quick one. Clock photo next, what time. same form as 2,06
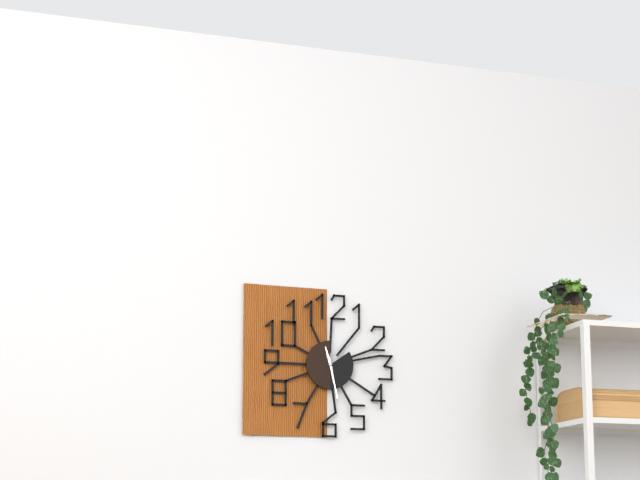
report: 11,28
